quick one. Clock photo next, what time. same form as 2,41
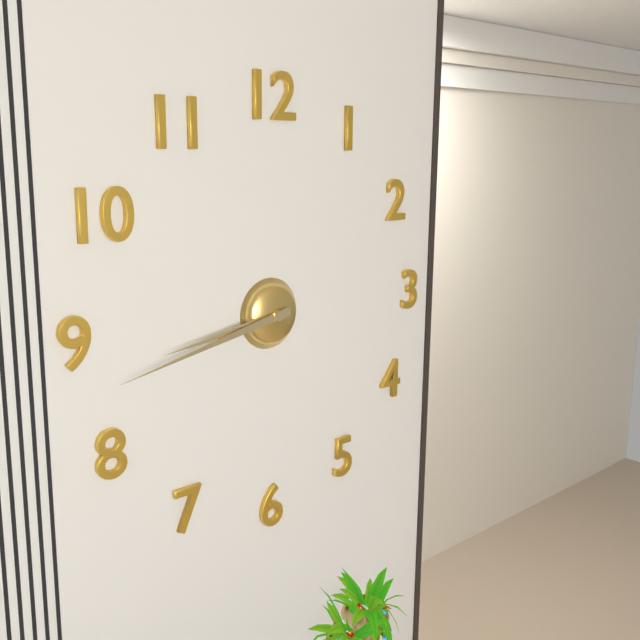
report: 8,43
